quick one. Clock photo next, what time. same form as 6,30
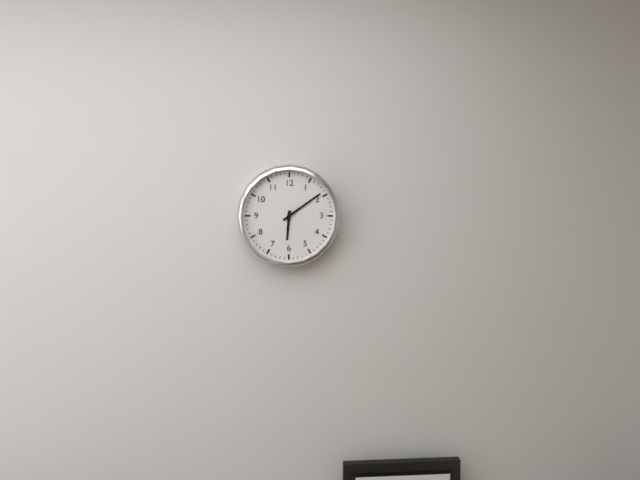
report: 6,09
